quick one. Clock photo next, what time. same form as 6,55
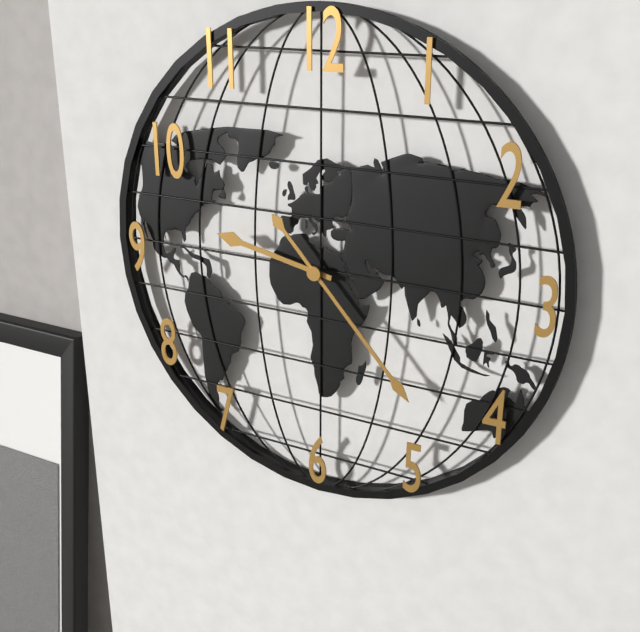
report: 9,23
